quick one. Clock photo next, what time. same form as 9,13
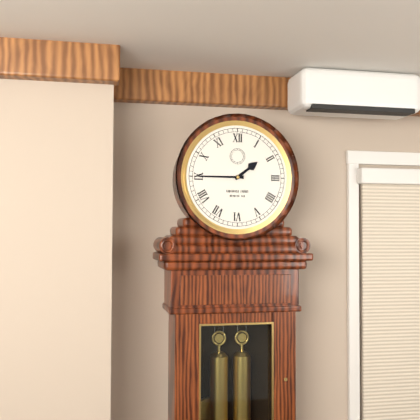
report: 1,45
